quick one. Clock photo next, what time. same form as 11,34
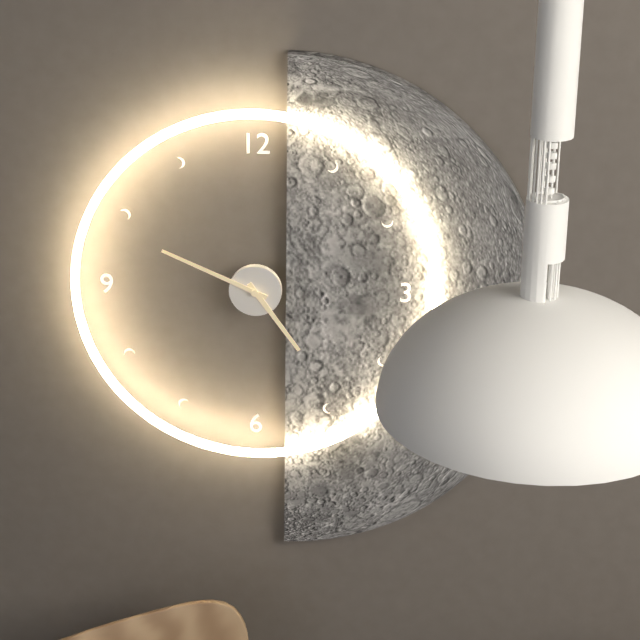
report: 4,49
